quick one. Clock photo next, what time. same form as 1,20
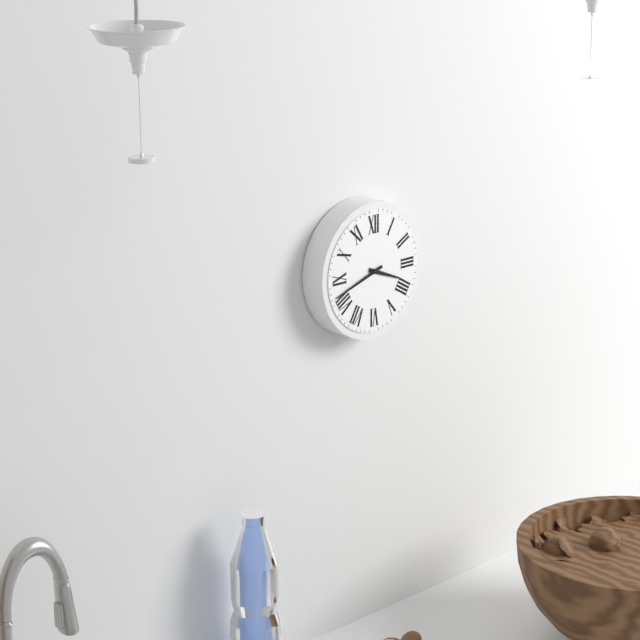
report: 3,42
